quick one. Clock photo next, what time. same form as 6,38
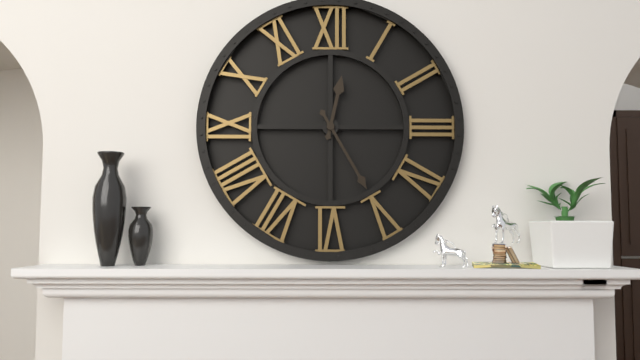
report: 12,25
